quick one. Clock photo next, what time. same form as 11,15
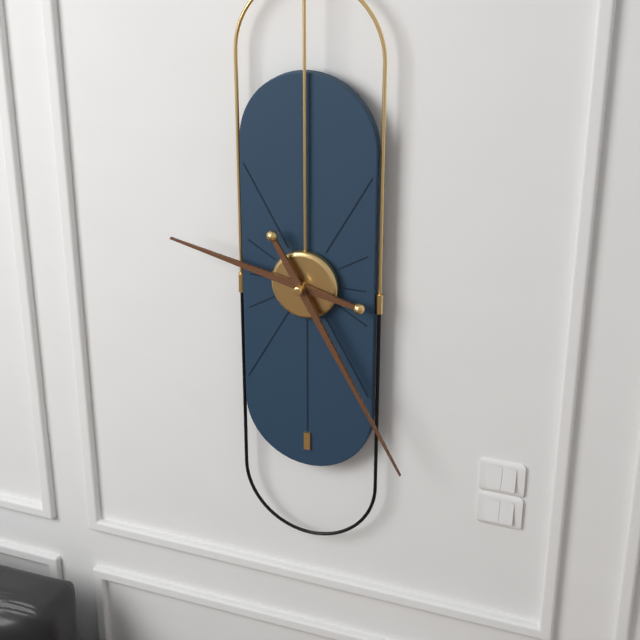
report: 9,25
